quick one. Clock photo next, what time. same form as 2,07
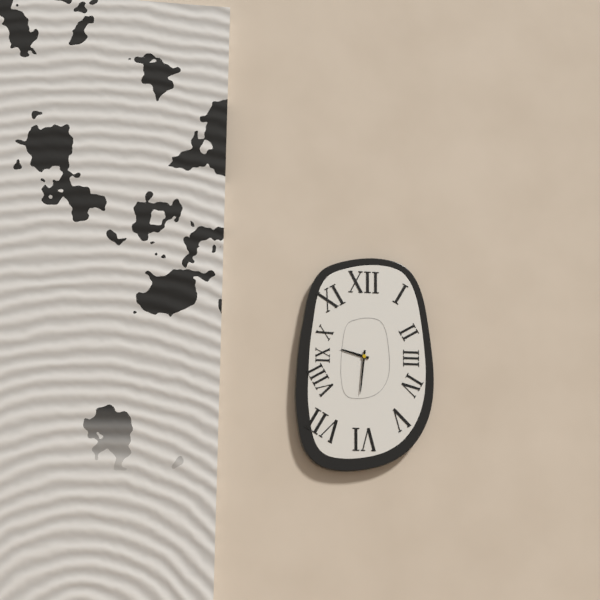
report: 9,31
